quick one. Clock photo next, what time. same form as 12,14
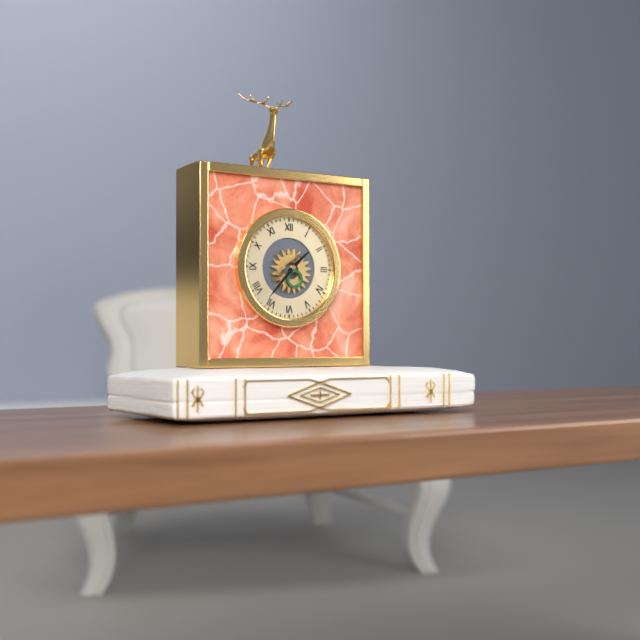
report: 1,37
